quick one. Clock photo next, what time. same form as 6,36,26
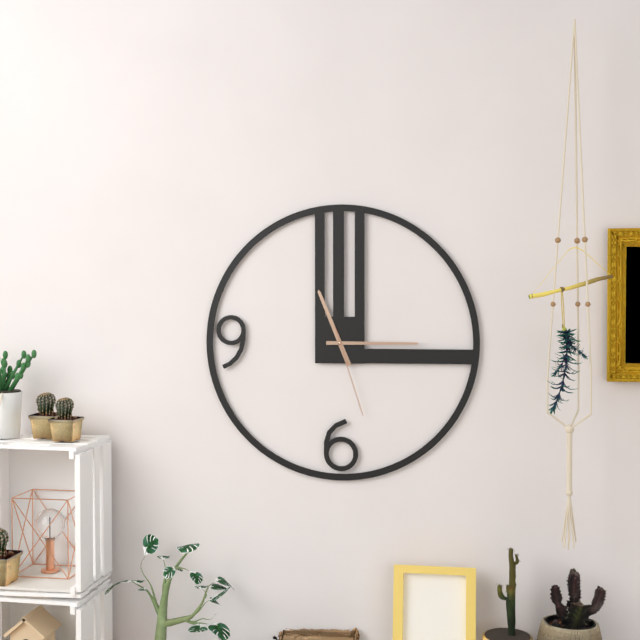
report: 11,15,27
